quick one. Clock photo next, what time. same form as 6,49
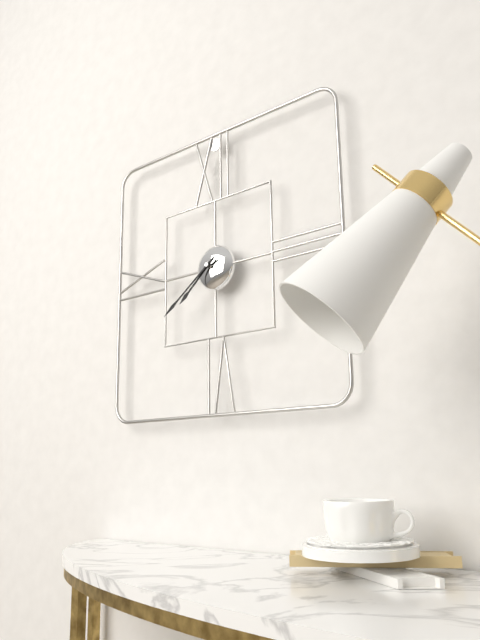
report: 7,39
